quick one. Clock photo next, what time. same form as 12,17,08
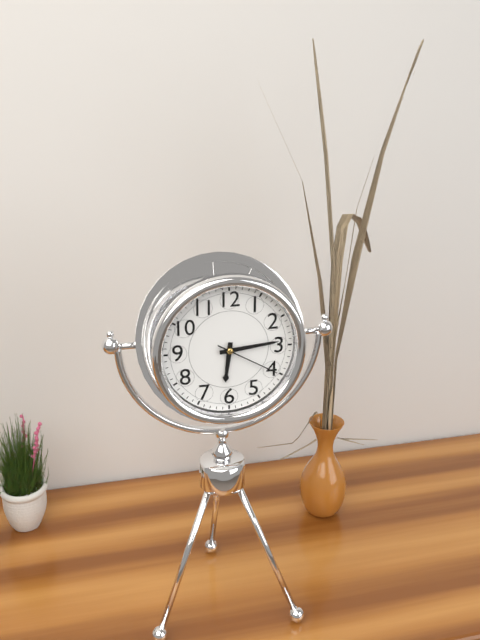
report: 6,14,20
